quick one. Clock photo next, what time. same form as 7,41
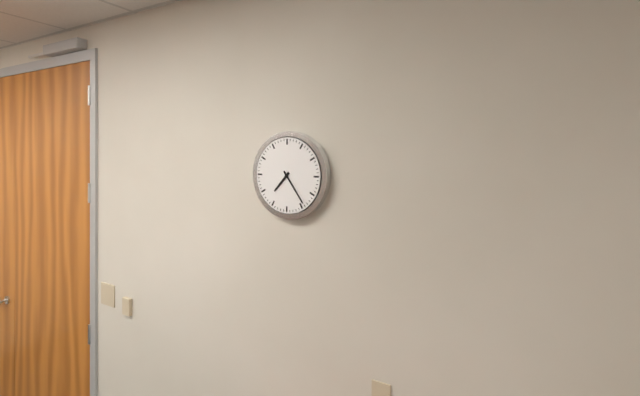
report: 7,24
